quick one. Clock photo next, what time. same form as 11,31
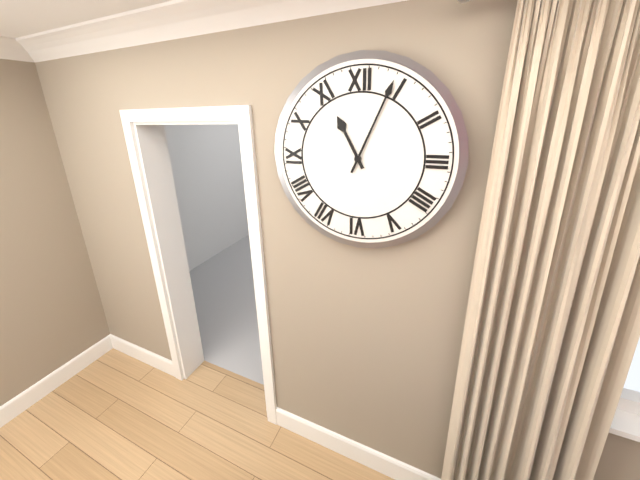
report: 11,04
